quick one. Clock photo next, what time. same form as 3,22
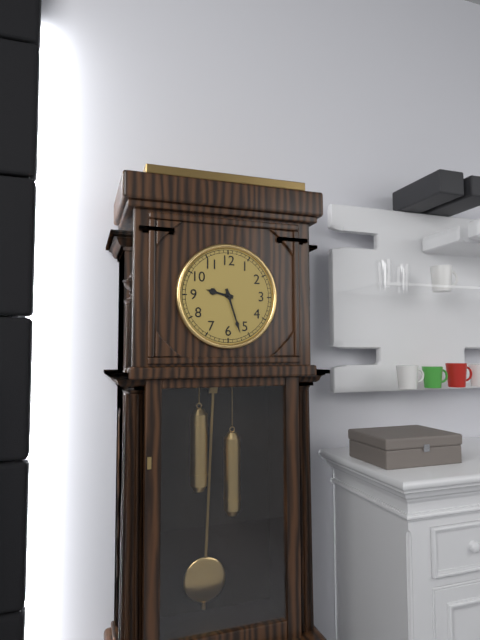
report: 9,27
